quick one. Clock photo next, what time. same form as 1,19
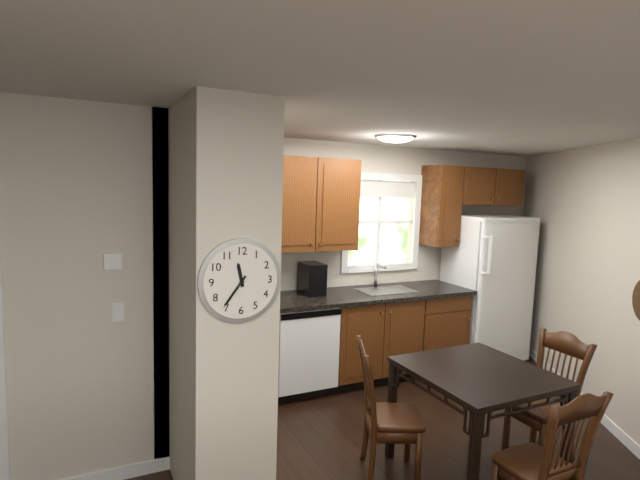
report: 11,36
